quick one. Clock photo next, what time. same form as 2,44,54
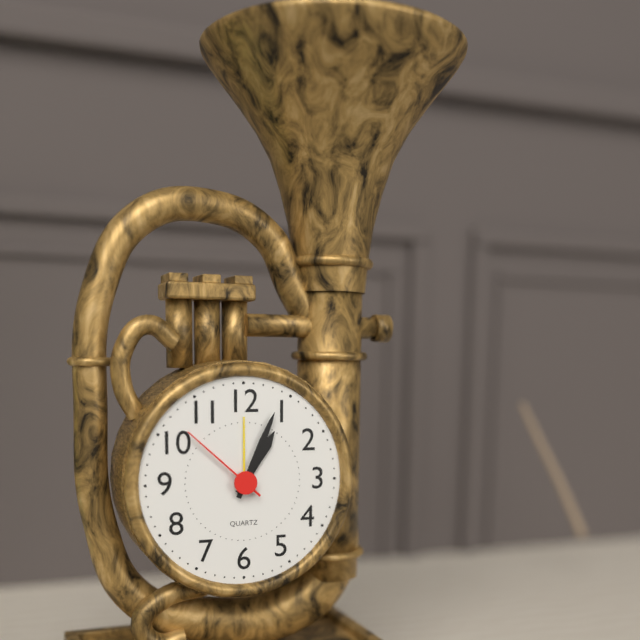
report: 1,04,52
